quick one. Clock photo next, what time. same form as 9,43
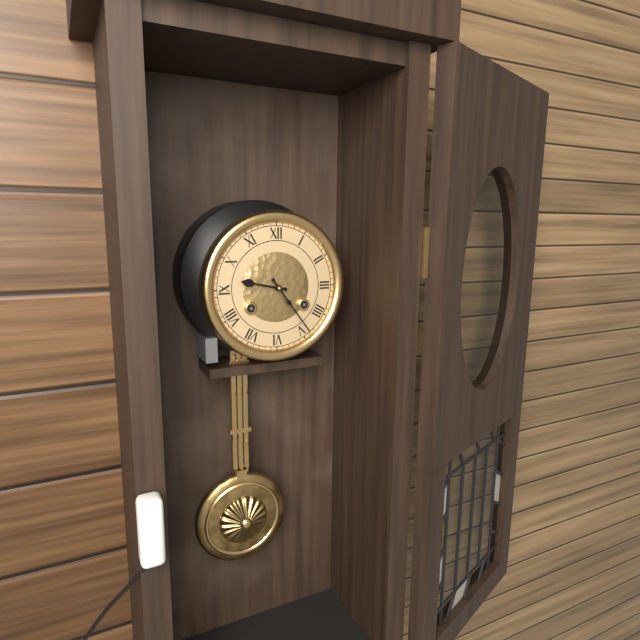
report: 9,24
